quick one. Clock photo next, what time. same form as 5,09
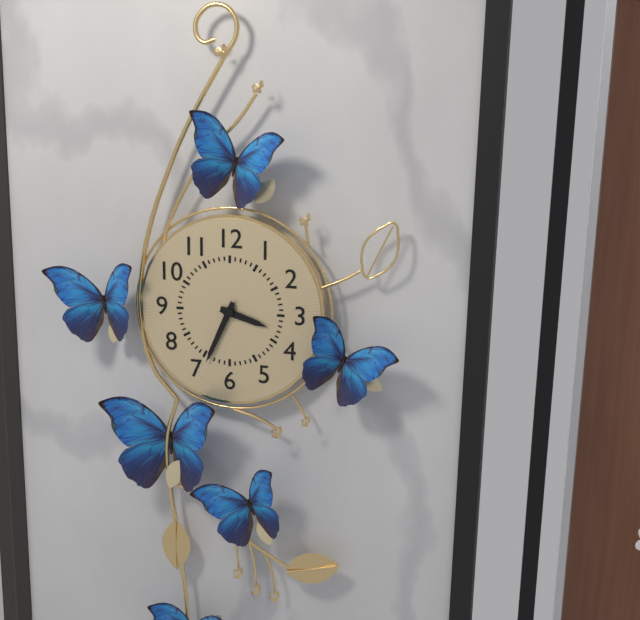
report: 3,34
